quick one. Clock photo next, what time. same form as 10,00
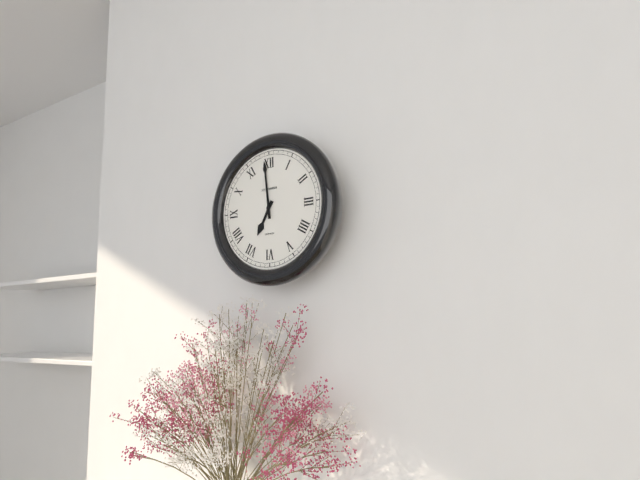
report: 6,59
